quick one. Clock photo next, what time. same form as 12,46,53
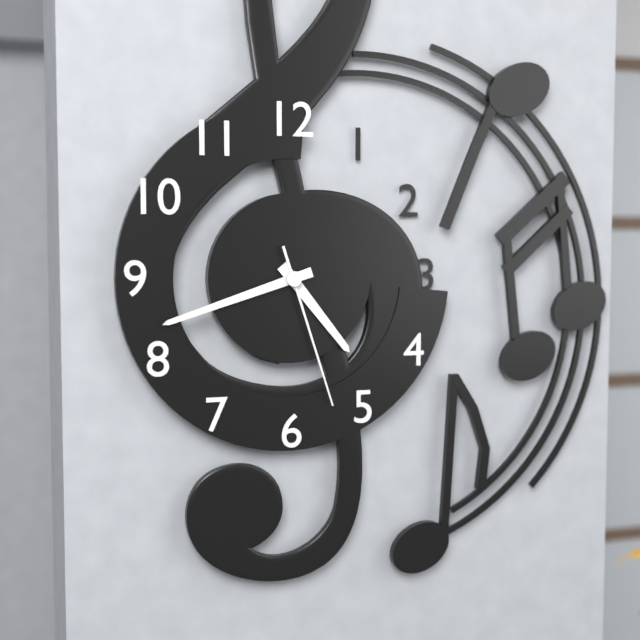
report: 4,42,27
